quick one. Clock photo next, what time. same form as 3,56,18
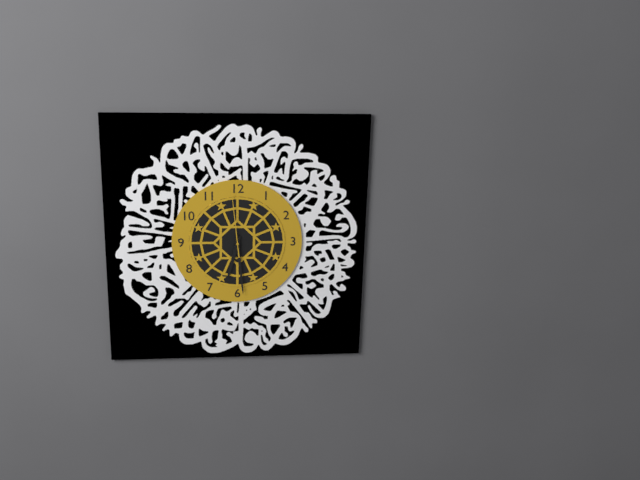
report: 6,29,59
